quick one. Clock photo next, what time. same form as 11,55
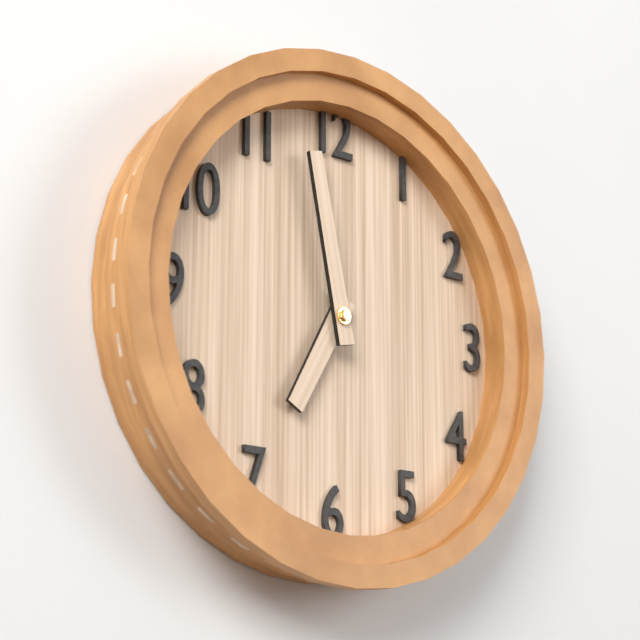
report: 6,58
